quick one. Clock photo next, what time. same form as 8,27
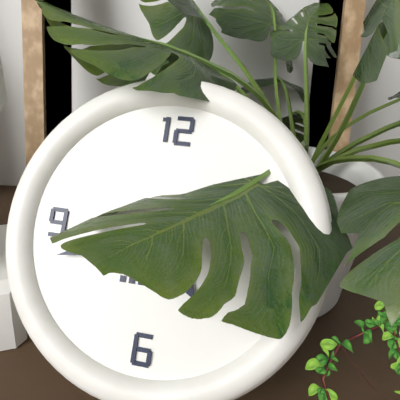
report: 4,42
